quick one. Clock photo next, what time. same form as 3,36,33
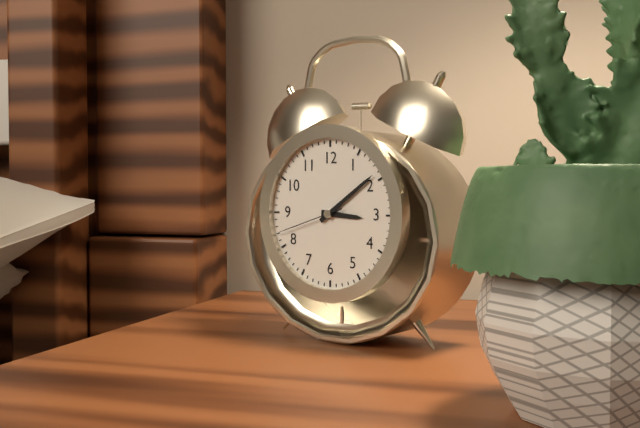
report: 3,09,42
